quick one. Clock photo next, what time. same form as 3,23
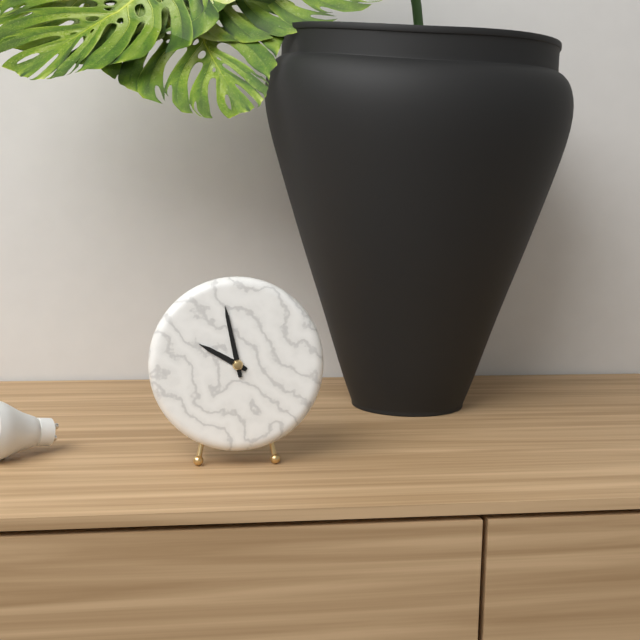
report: 9,58
